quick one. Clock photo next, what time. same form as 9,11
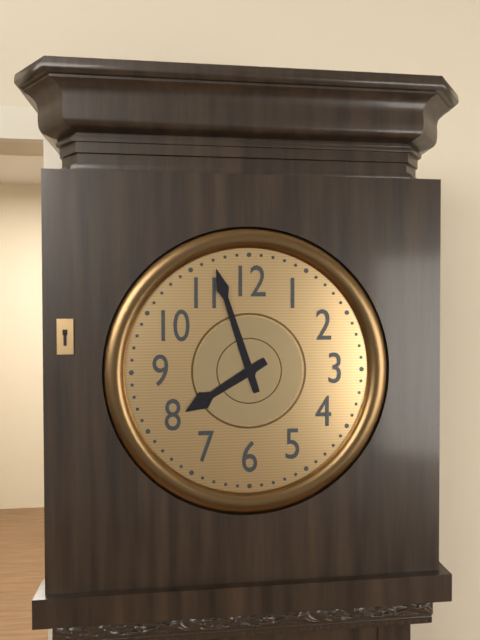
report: 7,57
